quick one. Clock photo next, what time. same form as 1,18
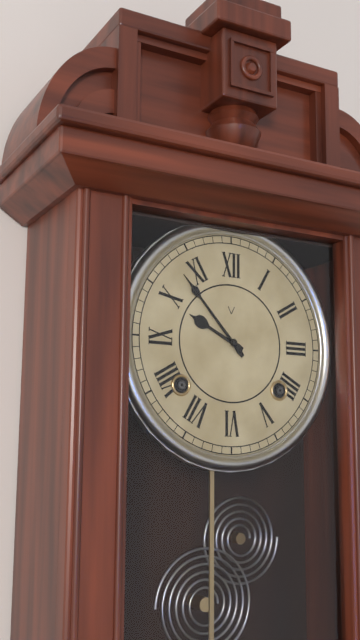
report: 9,53
